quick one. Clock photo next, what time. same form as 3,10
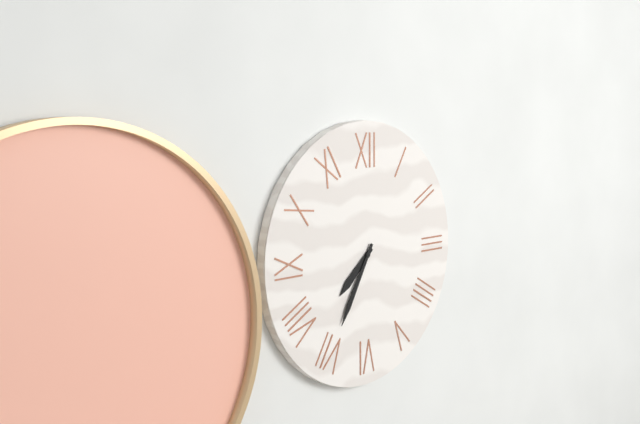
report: 7,35
